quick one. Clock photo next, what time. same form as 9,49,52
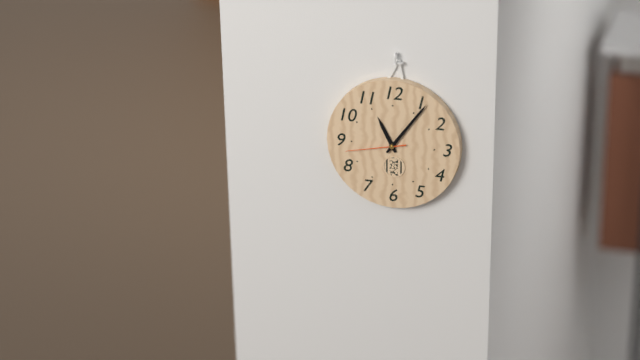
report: 11,06,43
